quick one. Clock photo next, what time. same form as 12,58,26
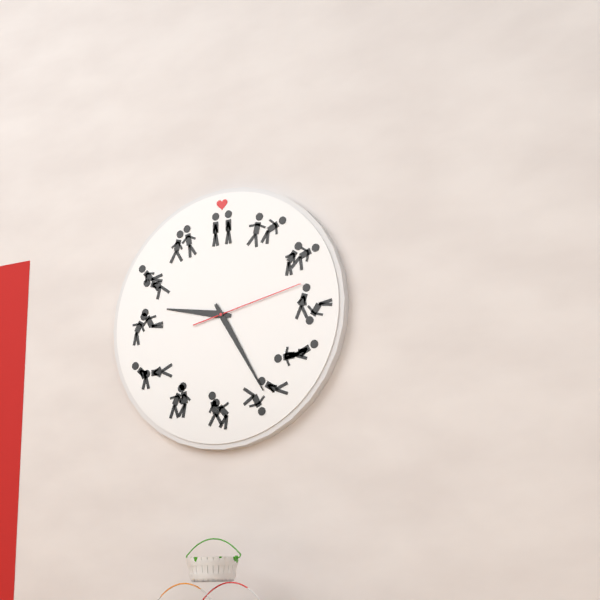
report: 9,25,13
